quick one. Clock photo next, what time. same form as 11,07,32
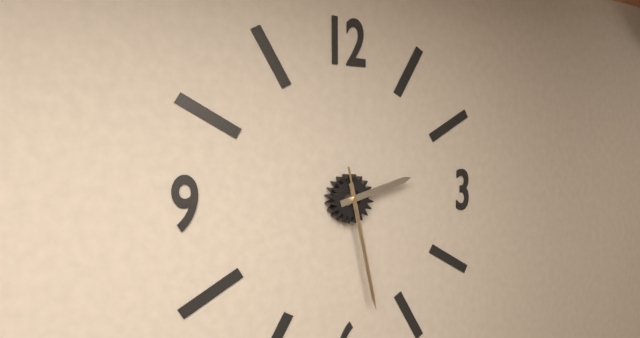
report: 2,28,28
